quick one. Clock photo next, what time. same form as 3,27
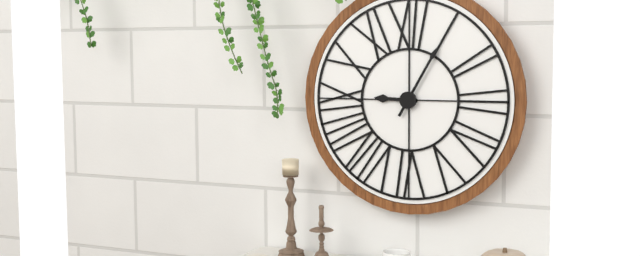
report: 9,05
